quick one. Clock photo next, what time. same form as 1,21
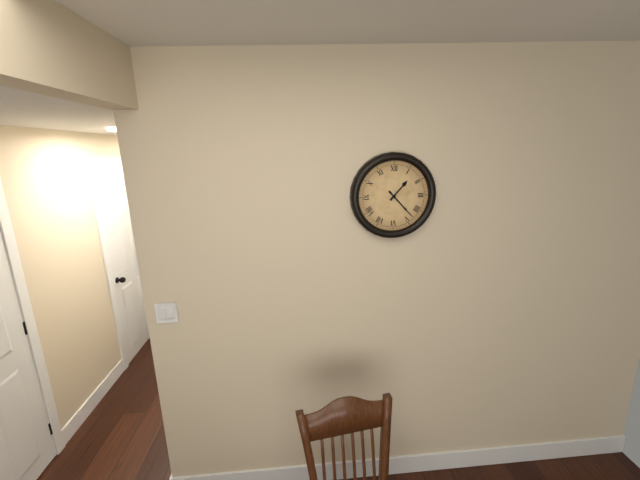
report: 1,23
